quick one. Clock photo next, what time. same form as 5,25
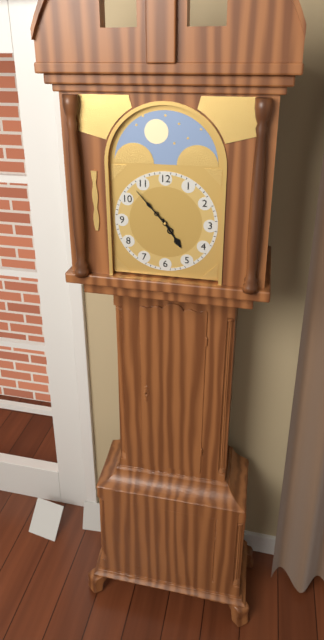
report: 4,53
